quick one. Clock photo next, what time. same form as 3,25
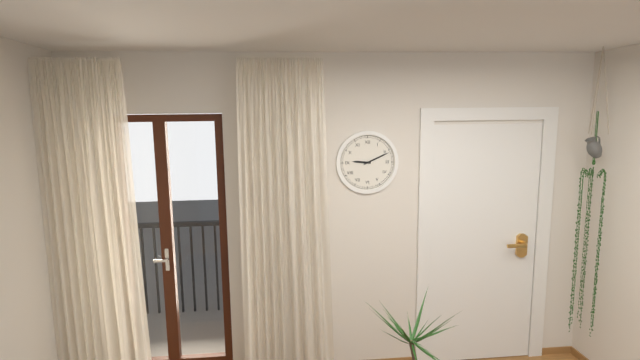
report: 9,11
